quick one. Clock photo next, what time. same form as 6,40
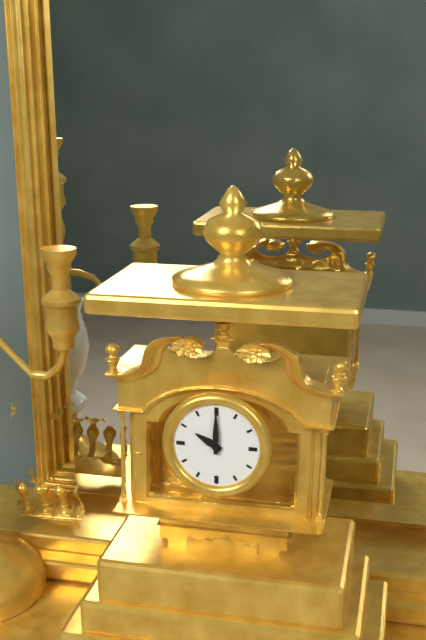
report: 10,00
